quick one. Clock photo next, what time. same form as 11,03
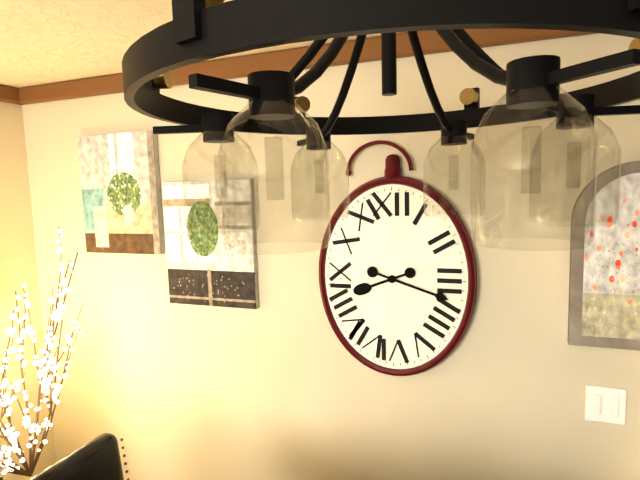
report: 8,18
